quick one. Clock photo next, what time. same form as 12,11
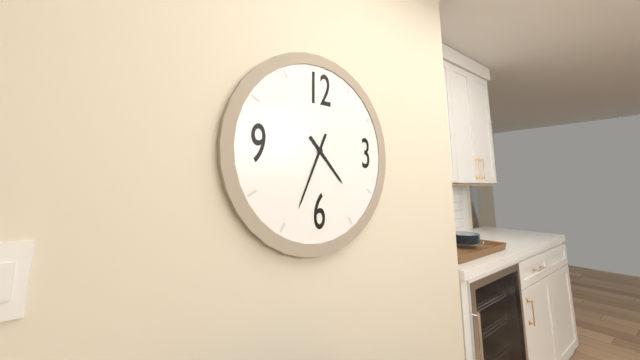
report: 4,34
